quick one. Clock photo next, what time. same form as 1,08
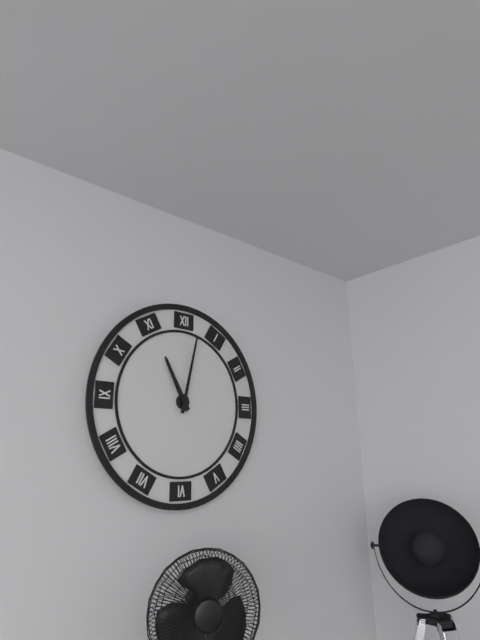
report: 11,02
